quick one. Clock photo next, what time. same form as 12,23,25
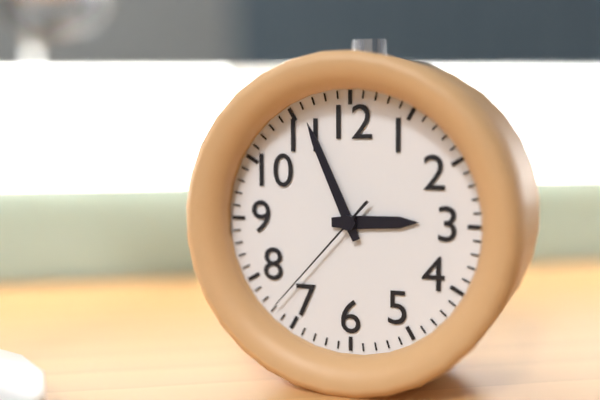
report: 2,56,37
